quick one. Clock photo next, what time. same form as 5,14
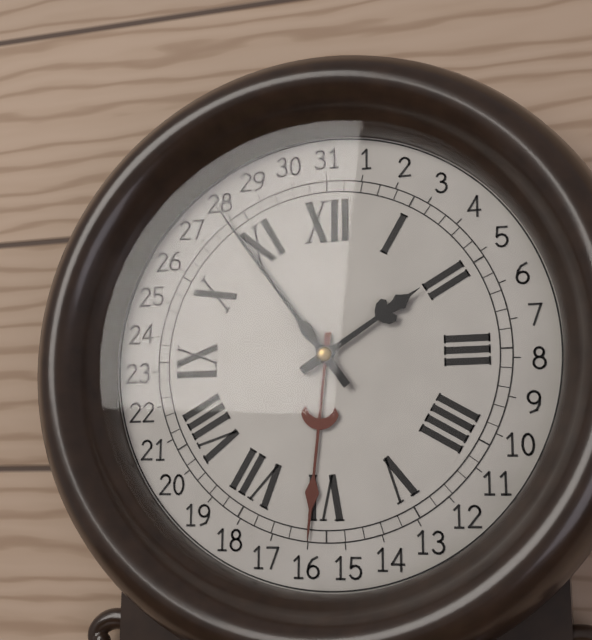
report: 1,54
